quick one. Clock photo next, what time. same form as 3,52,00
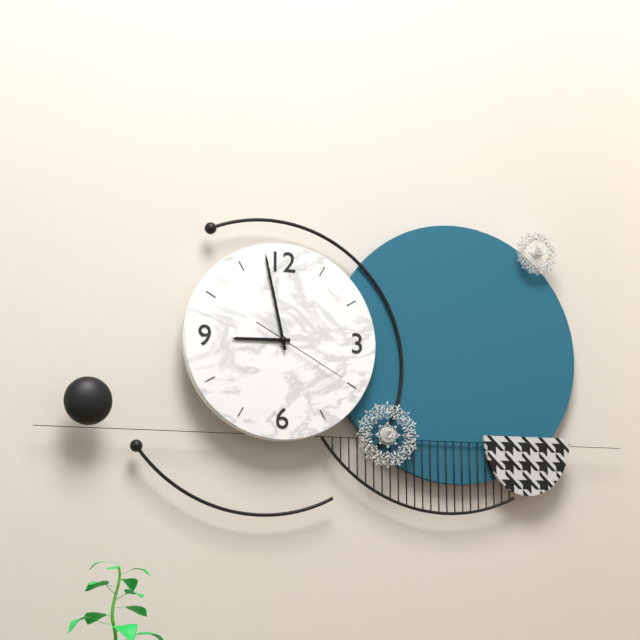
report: 8,58,20
